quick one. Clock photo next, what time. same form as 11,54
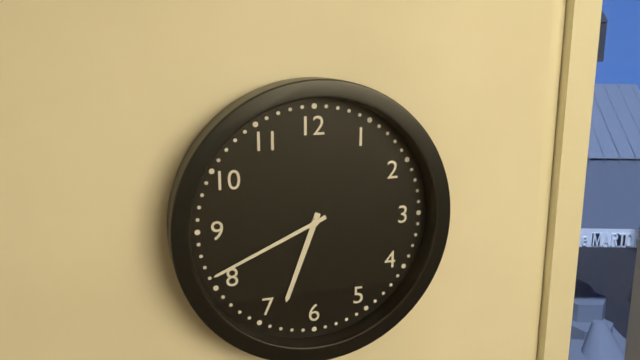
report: 6,41
